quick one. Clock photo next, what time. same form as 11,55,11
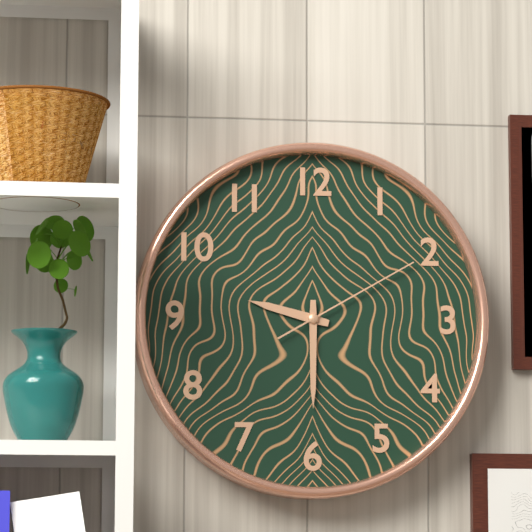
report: 9,30,10
